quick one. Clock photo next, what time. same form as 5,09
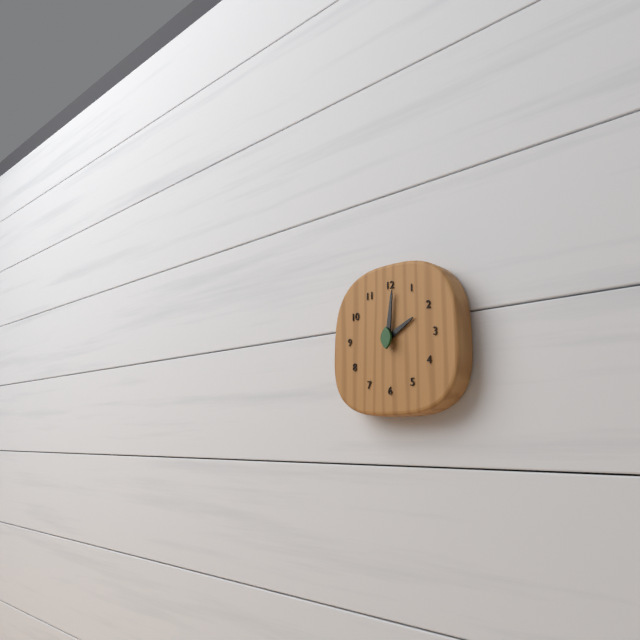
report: 2,01
